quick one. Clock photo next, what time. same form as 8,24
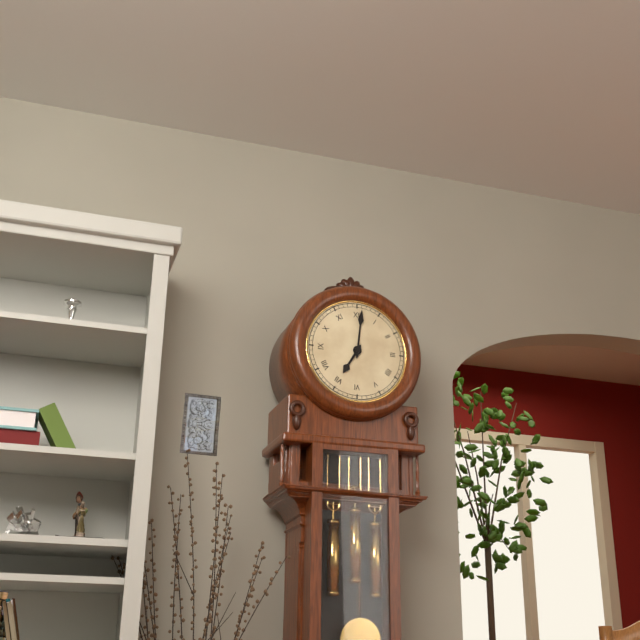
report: 7,01
